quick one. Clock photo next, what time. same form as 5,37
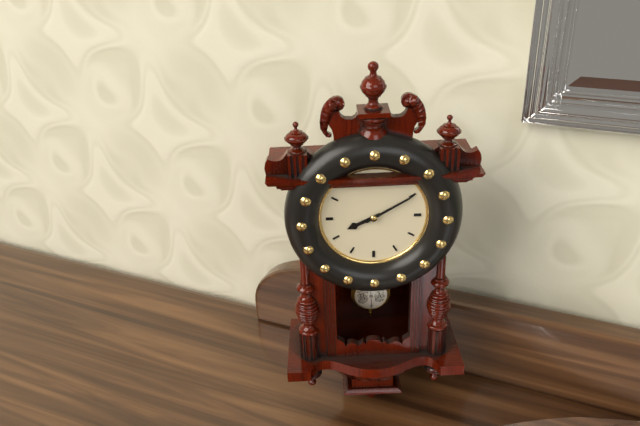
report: 8,10
